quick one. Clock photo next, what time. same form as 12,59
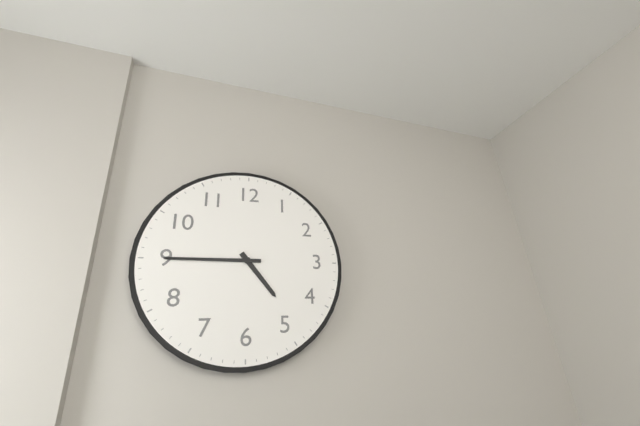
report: 4,45
